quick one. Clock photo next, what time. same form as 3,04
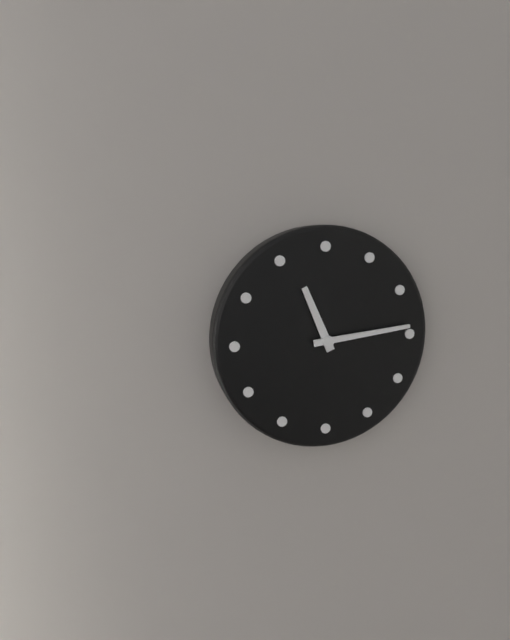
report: 11,14
